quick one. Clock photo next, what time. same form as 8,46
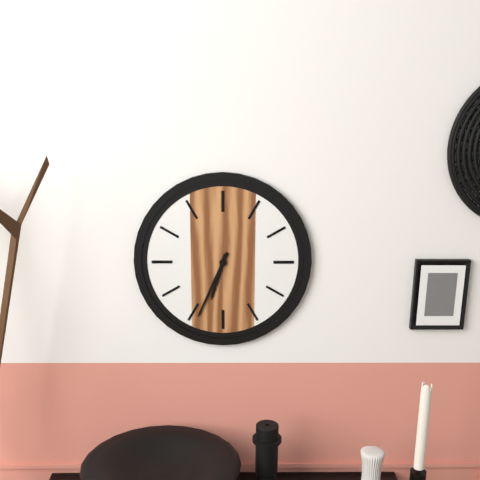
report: 6,34
